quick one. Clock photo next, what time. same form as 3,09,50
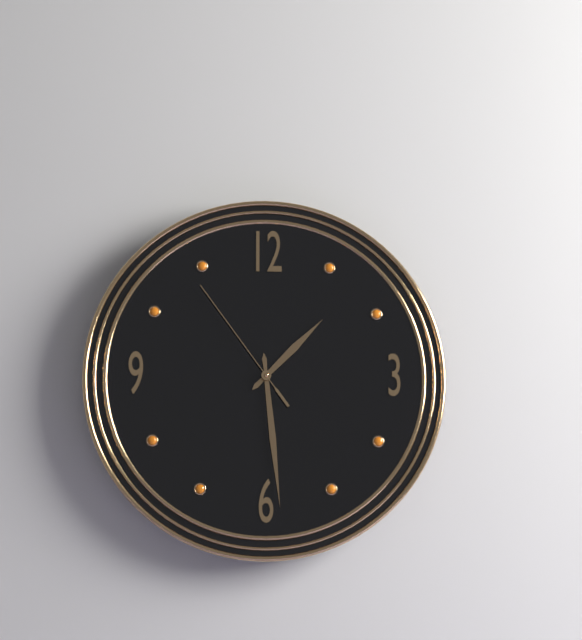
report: 1,29,54
